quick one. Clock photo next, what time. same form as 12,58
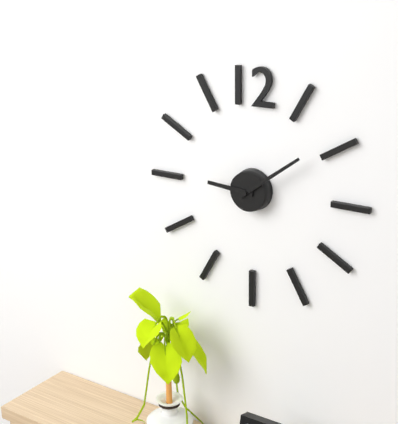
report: 9,09
